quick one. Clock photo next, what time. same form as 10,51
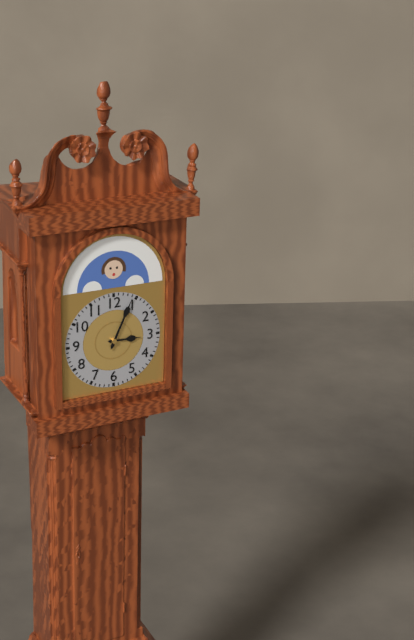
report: 3,04
